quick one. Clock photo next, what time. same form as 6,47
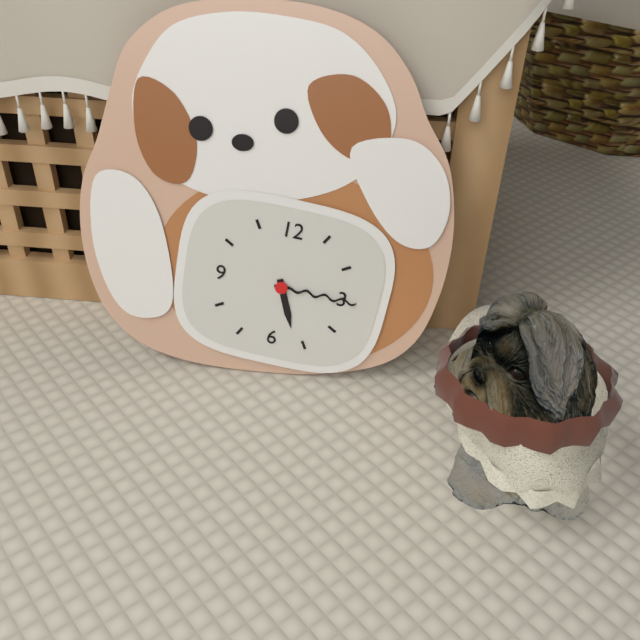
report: 5,15
